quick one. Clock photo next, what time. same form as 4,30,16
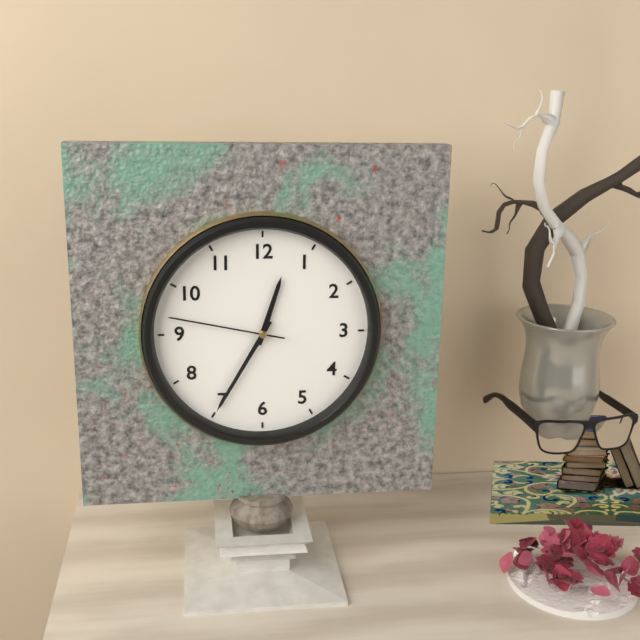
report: 12,35,47
